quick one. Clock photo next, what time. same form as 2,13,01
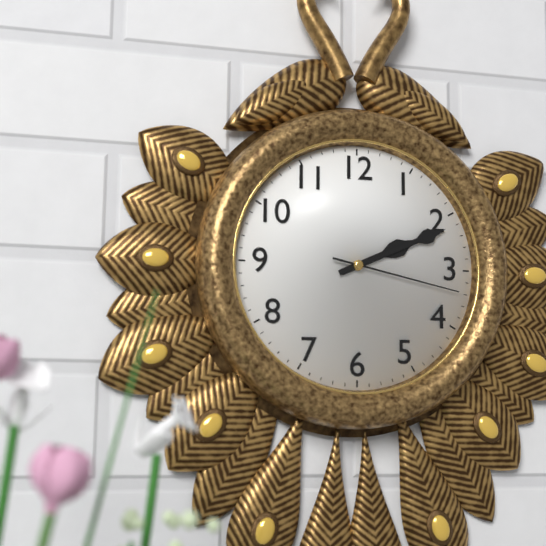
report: 2,11,17
